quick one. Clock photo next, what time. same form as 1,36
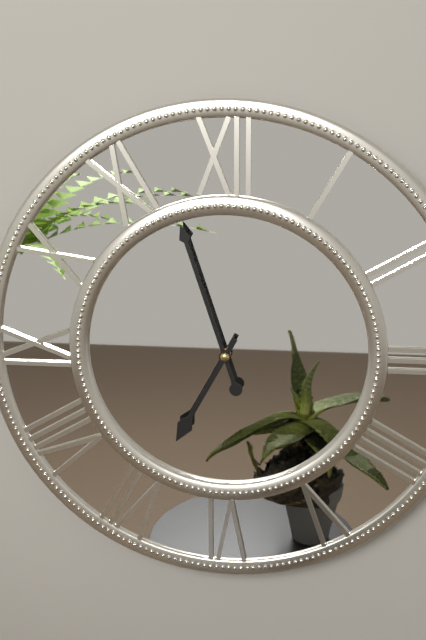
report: 6,57
